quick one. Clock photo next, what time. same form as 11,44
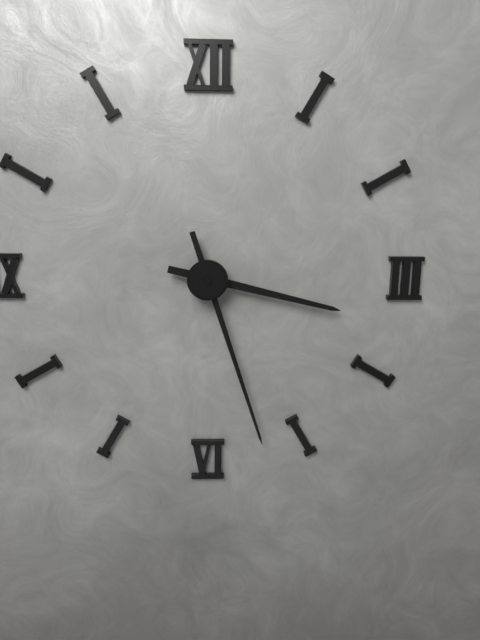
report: 3,27
